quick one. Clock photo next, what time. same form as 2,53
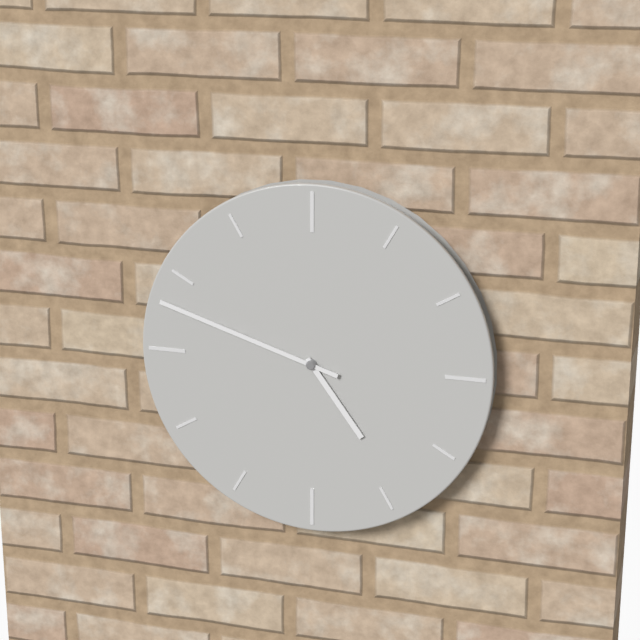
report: 4,48
